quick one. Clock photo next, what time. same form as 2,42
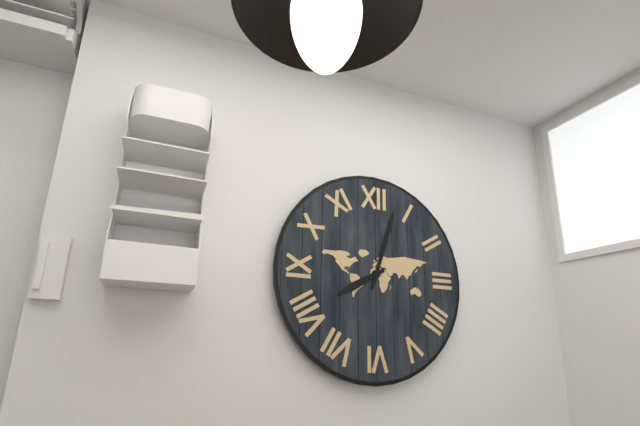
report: 8,03
